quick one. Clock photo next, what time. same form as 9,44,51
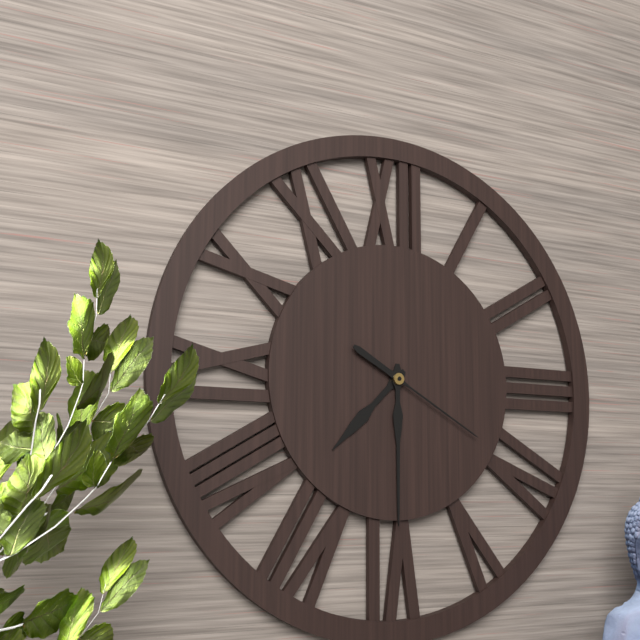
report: 7,30,20
